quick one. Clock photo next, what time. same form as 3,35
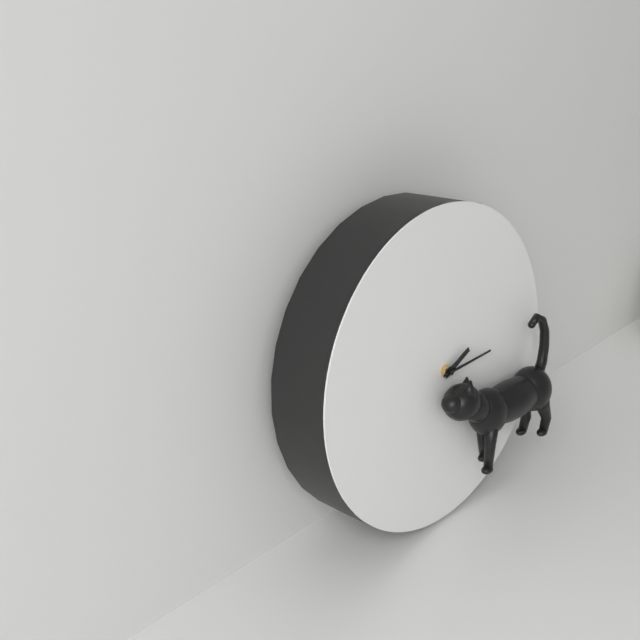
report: 2,15
